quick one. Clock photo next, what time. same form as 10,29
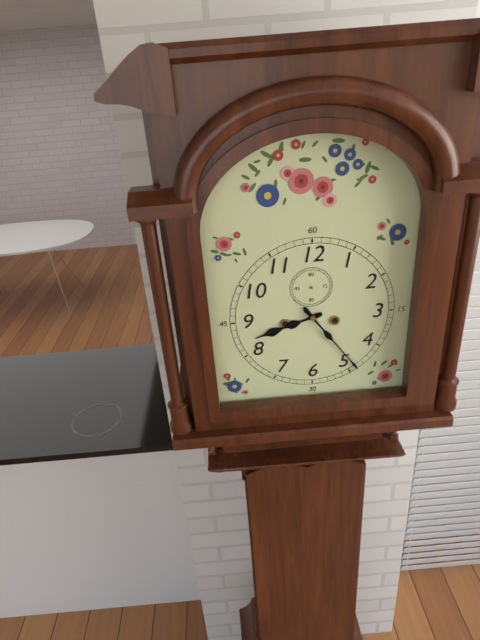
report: 8,24
